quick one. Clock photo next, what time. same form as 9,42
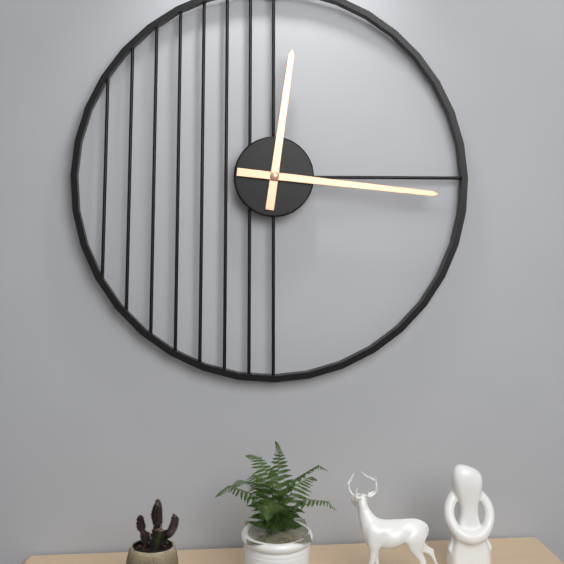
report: 12,16
